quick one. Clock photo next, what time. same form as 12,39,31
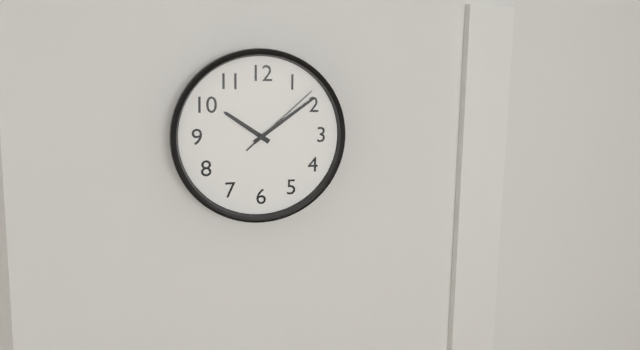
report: 10,09,08
